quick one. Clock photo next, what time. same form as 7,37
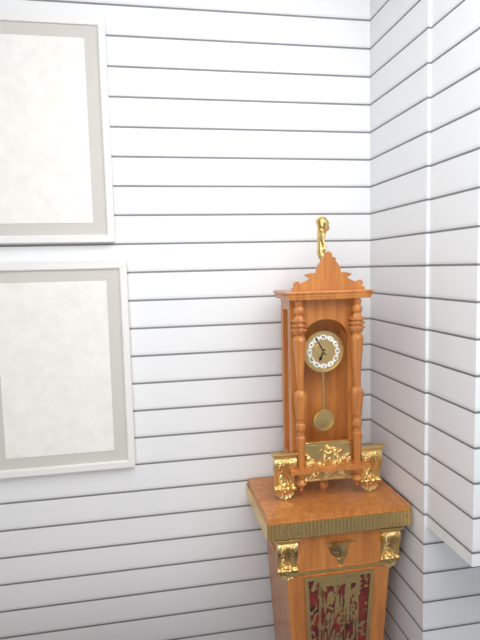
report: 6,55
